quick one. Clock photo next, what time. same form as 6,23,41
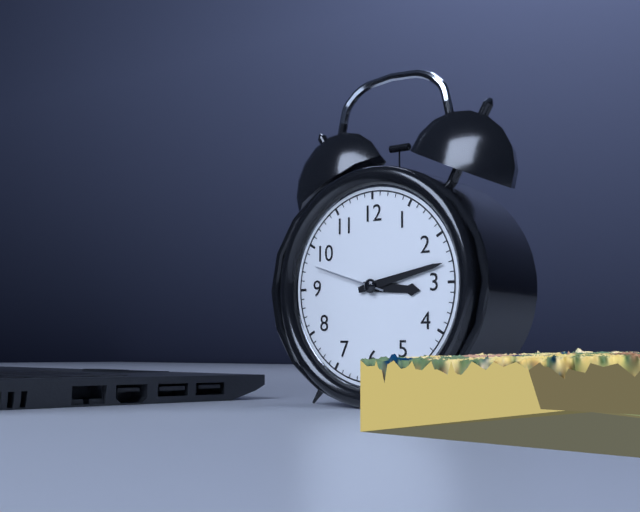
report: 3,13,48
